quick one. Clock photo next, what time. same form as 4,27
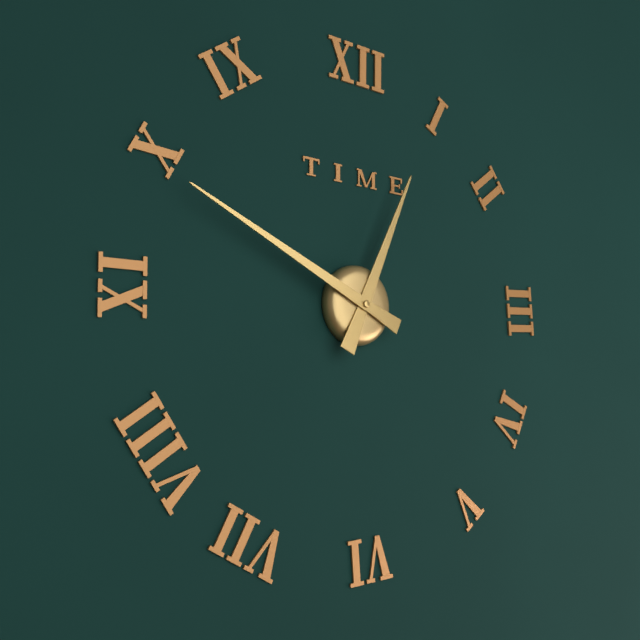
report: 12,49
